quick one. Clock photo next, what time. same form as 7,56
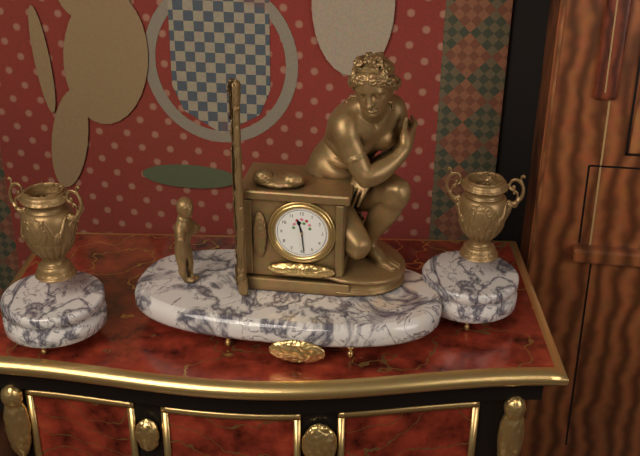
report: 11,29
